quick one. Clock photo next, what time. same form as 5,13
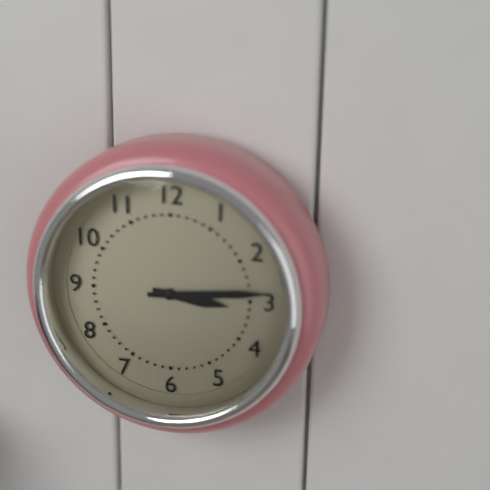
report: 3,14
